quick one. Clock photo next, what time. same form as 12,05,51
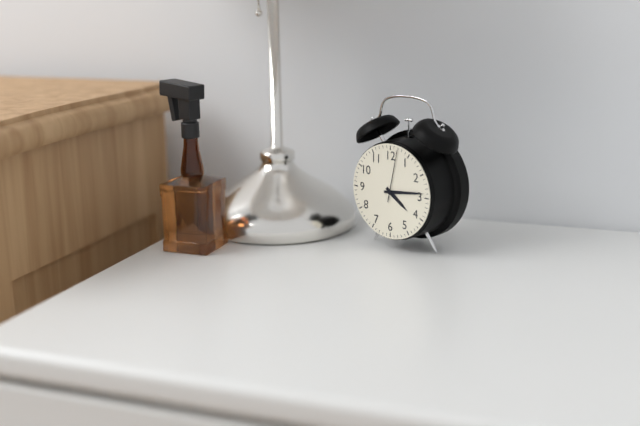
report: 4,14,02
